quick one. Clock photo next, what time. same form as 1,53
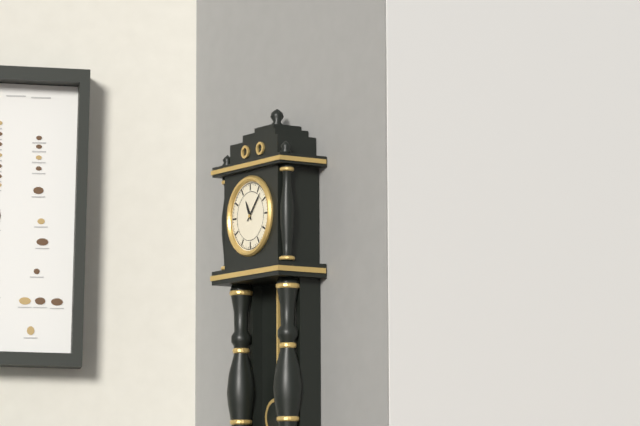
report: 11,07
